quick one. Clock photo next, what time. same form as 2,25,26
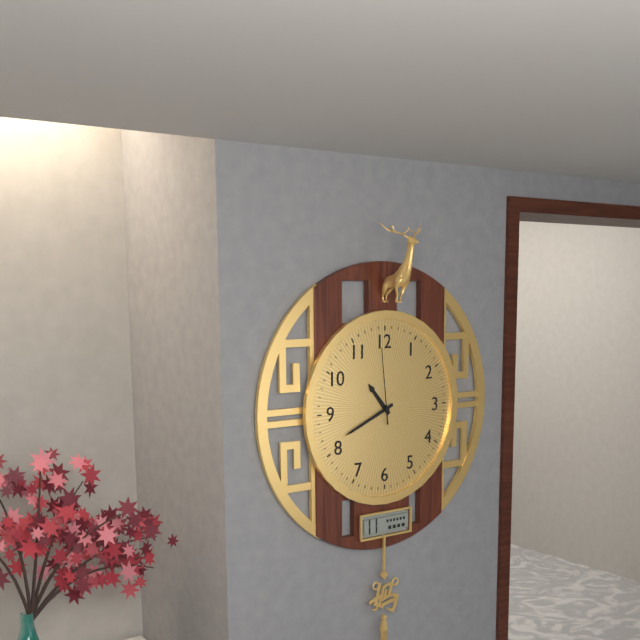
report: 10,41,59
